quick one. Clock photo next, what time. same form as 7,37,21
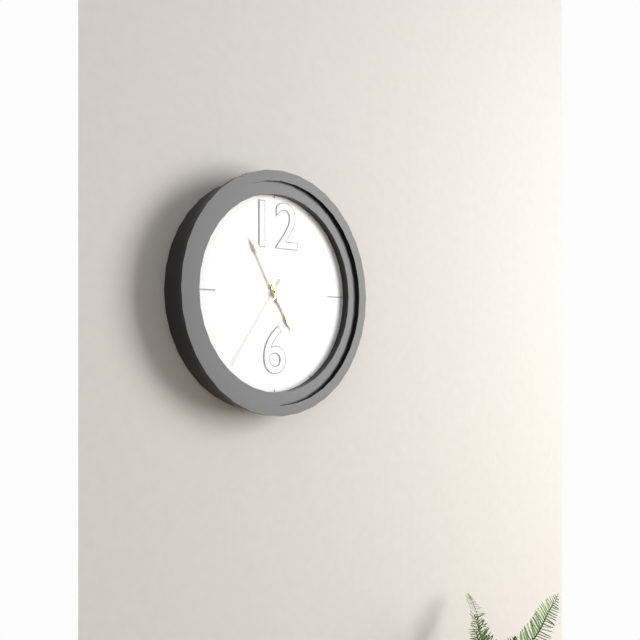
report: 4,55,36
